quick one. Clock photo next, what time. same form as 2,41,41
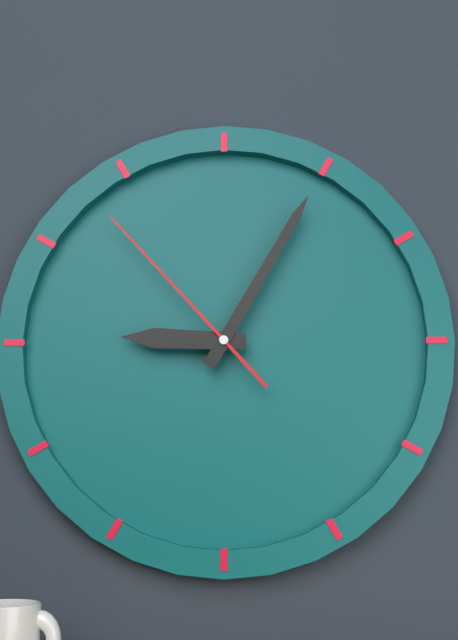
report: 9,05,53
